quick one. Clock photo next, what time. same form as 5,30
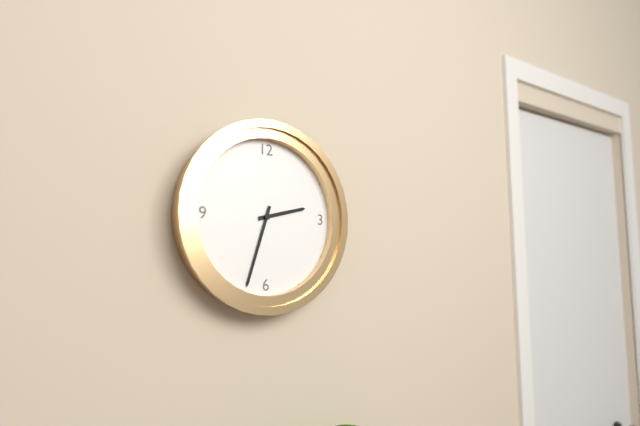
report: 2,33
